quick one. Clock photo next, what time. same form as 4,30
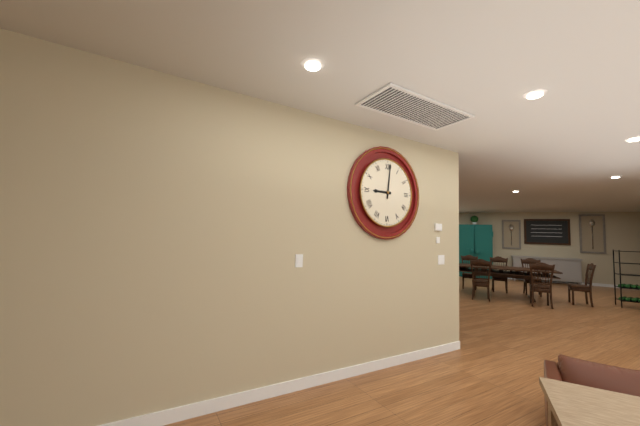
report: 9,01
